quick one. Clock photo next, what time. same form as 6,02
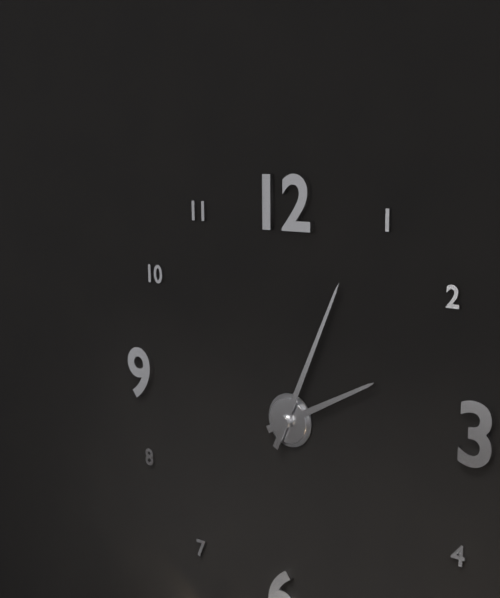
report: 2,04
